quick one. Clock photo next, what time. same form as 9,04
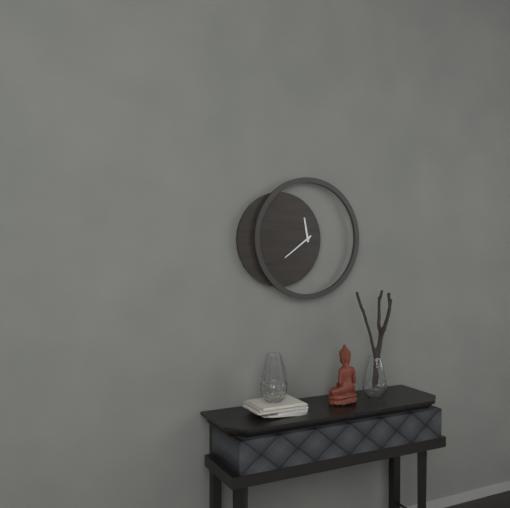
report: 11,39
